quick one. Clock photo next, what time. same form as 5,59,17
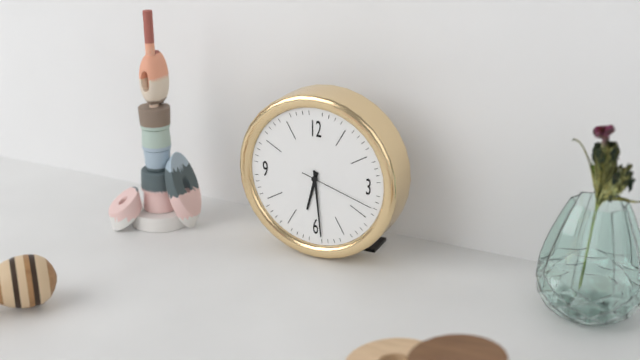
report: 6,29,18
